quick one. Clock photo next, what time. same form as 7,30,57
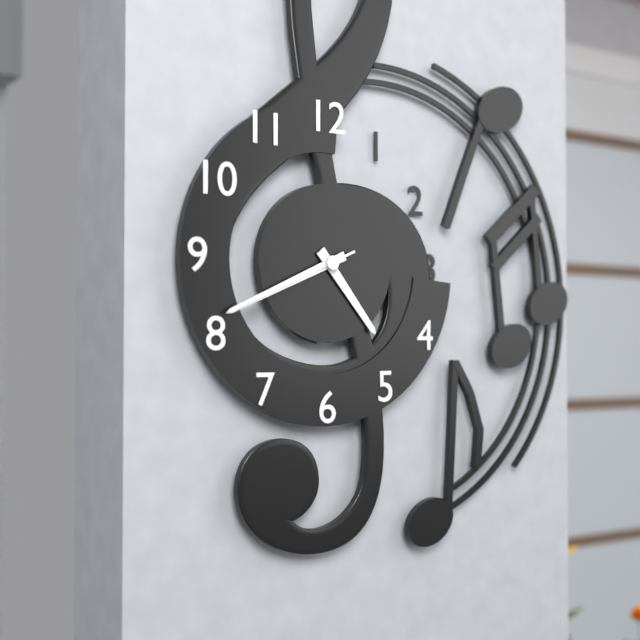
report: 4,41,41
